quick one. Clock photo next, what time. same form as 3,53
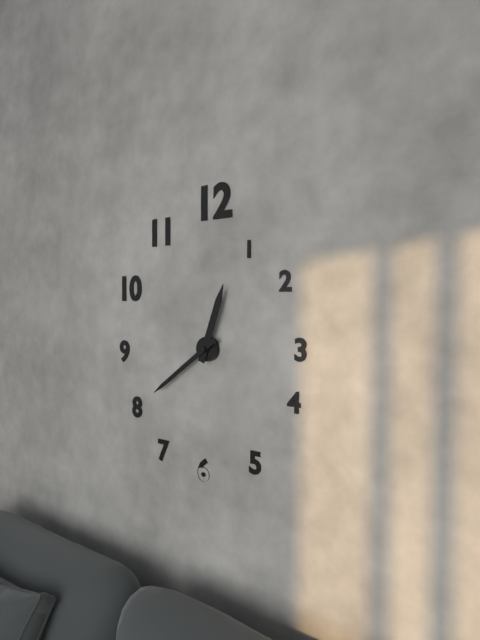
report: 12,39
